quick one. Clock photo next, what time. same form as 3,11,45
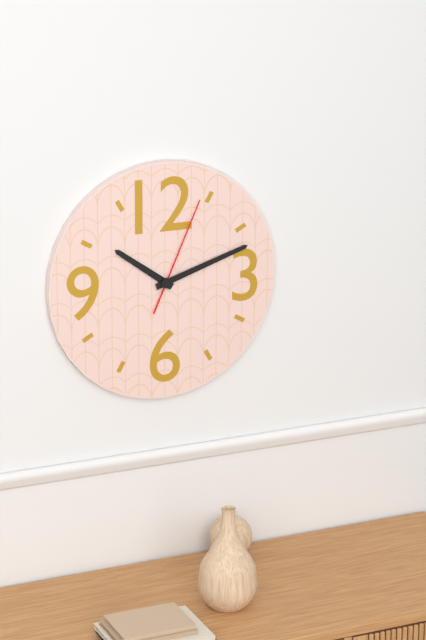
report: 10,12,04
